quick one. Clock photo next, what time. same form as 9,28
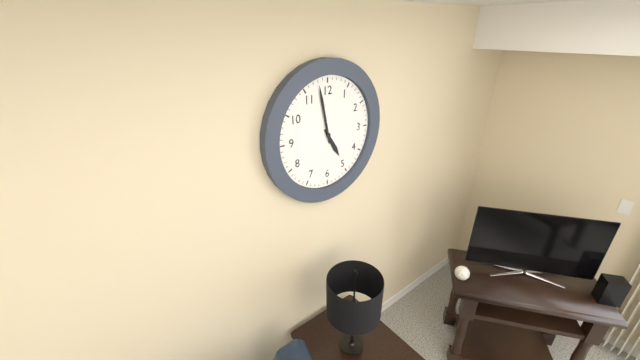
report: 4,58
